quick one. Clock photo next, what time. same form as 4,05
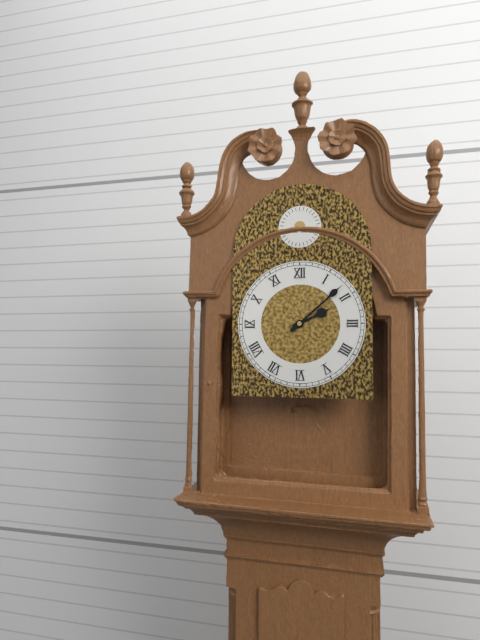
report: 2,08
